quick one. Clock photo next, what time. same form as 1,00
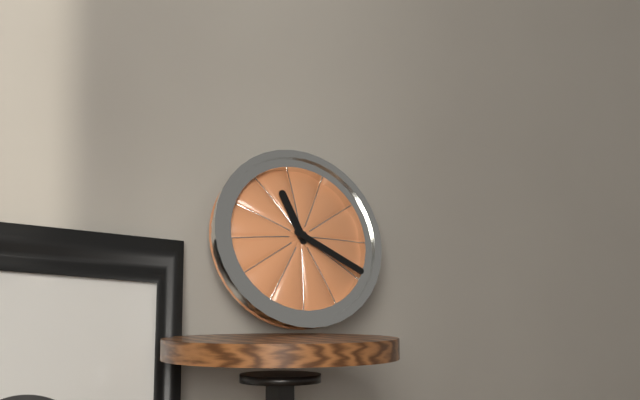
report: 11,20
